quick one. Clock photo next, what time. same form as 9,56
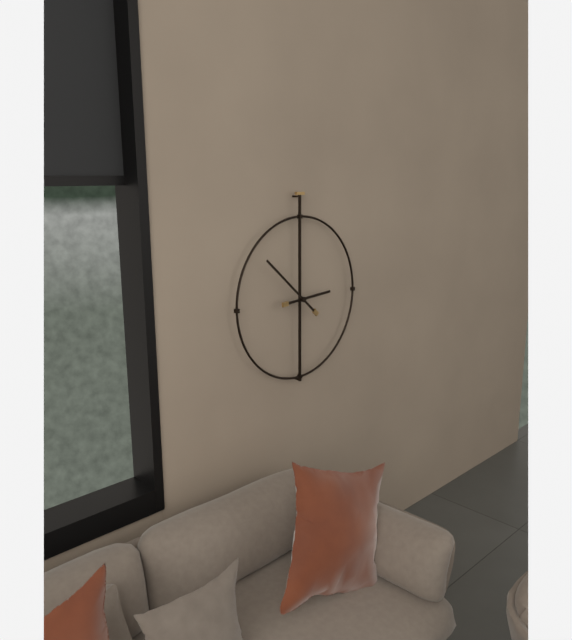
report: 2,52
